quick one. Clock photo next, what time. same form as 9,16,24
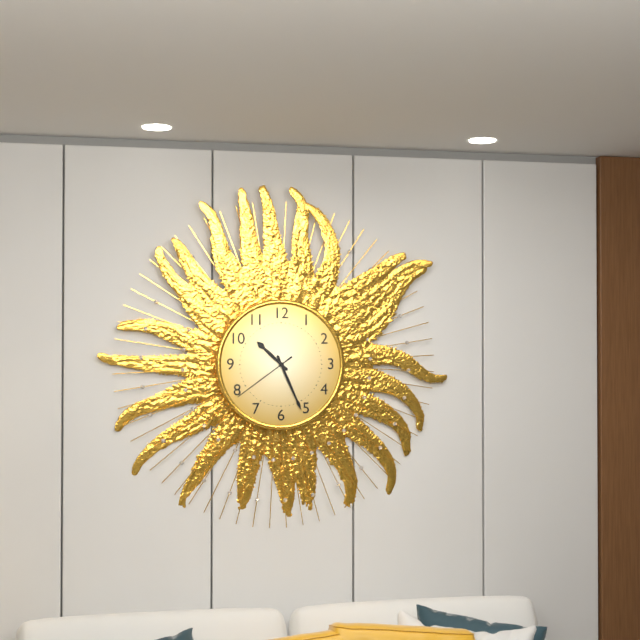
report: 10,26,39
